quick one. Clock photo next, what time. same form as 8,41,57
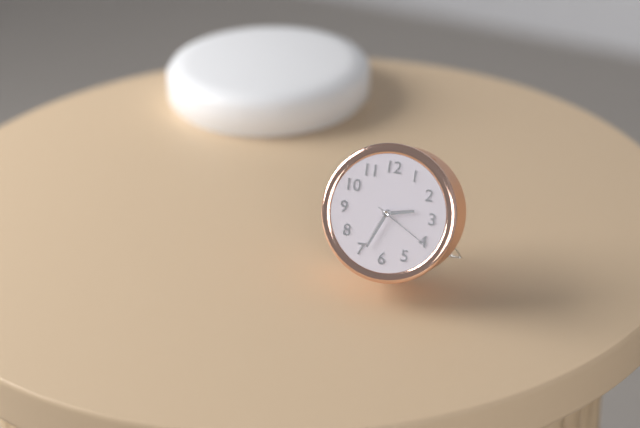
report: 2,34,20
